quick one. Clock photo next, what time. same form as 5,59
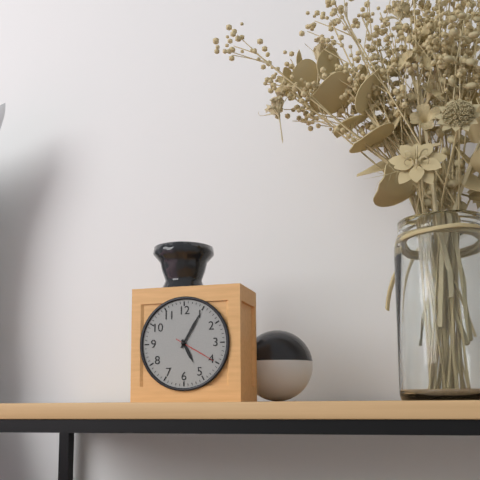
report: 5,05
